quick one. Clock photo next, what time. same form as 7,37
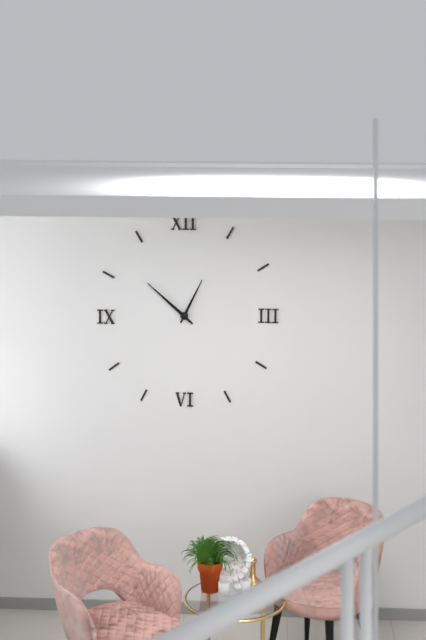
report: 12,52
